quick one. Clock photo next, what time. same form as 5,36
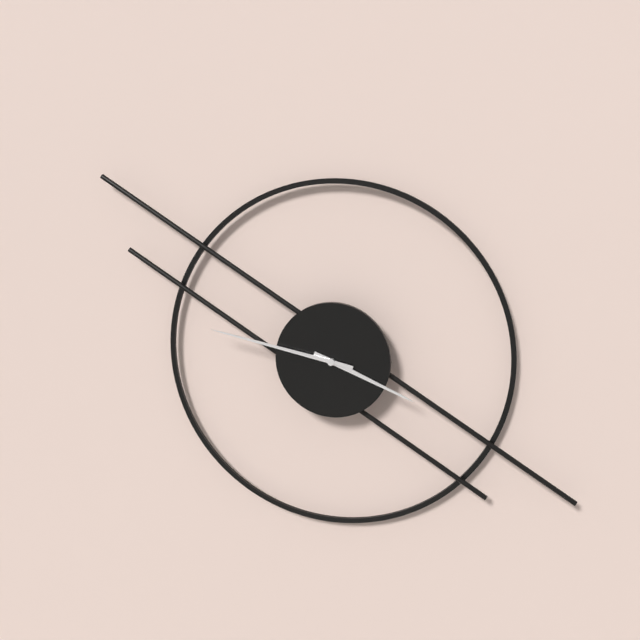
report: 3,47
